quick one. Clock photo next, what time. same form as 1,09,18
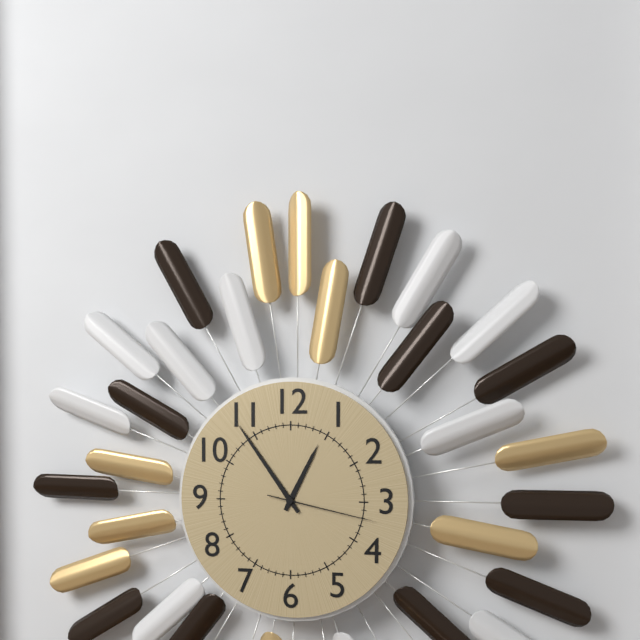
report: 12,54,17
